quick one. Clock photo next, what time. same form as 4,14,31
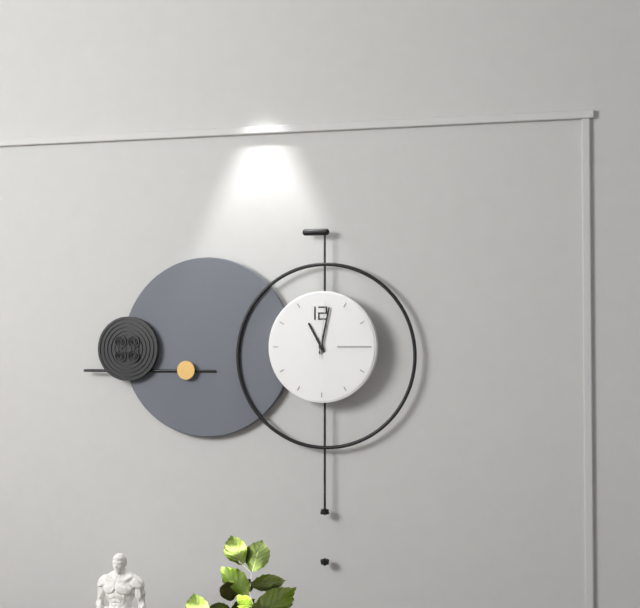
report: 11,02,01
